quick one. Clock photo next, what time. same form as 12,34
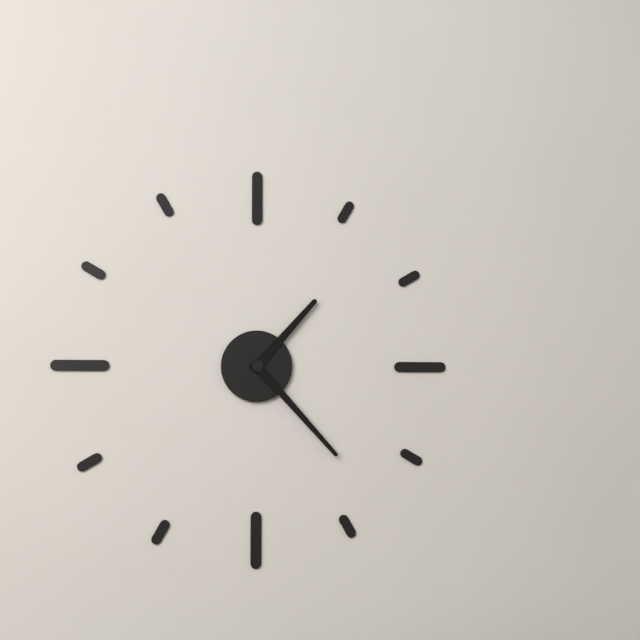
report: 1,23
